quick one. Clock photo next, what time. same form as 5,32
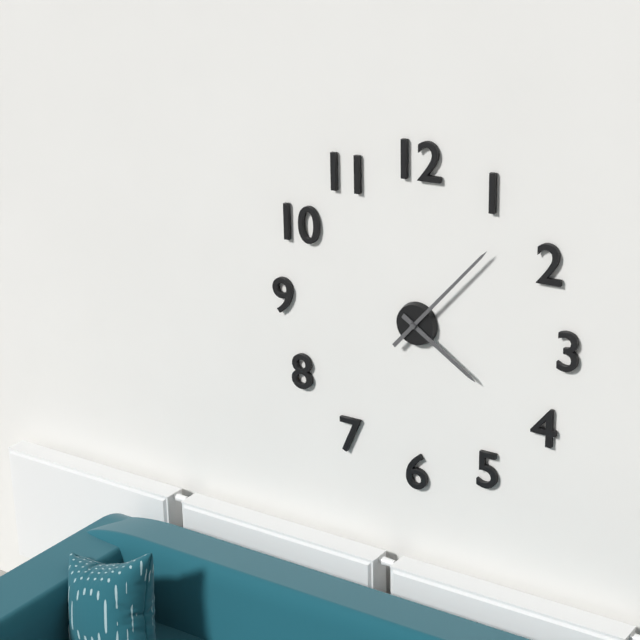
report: 4,07
